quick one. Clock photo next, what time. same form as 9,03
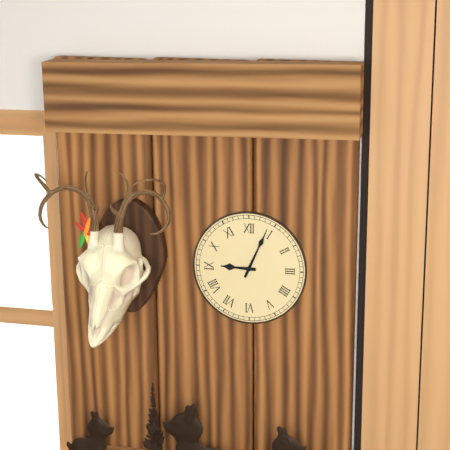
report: 9,04
